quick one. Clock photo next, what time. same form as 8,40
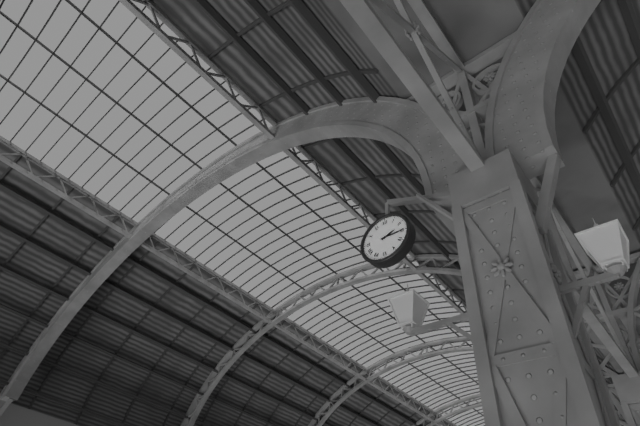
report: 2,15
